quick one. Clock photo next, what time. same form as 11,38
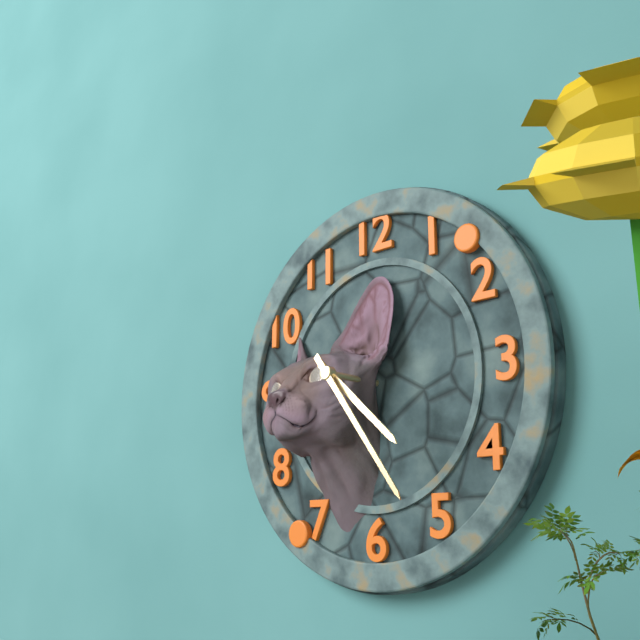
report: 4,24
